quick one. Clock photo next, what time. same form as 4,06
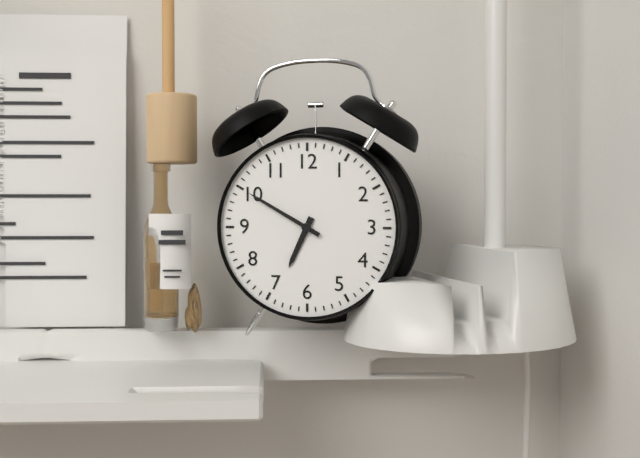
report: 6,50
